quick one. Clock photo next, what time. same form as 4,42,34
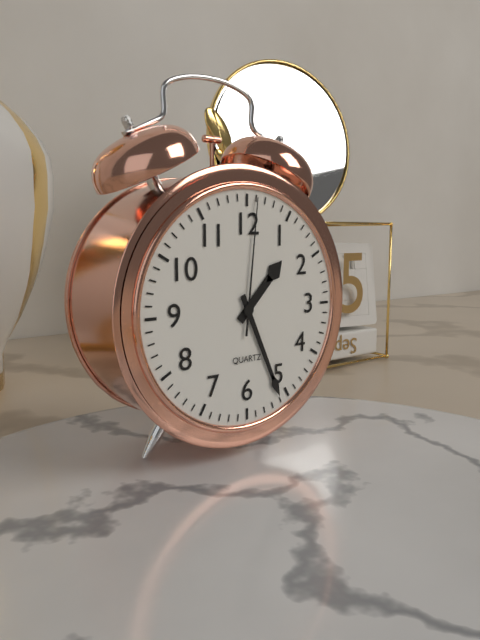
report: 1,26,01
